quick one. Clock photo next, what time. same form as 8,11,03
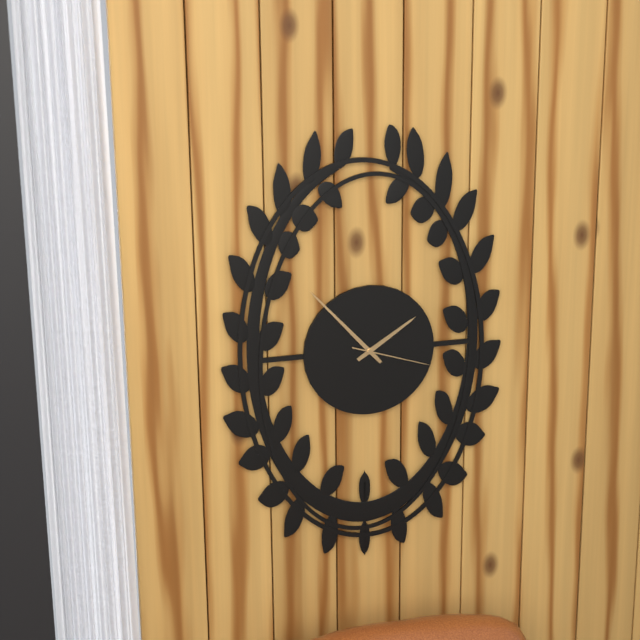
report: 1,53,18
